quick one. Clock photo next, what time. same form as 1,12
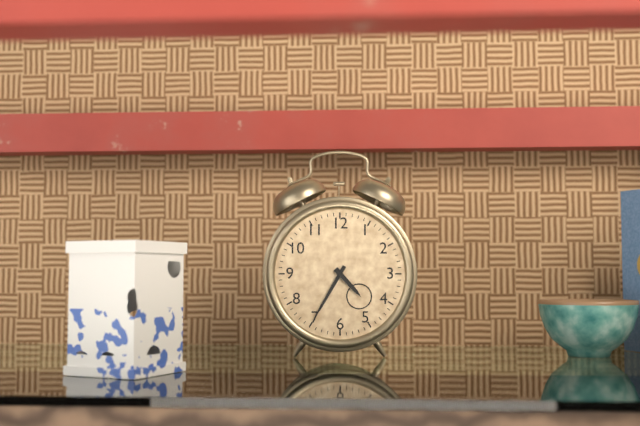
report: 4,35
